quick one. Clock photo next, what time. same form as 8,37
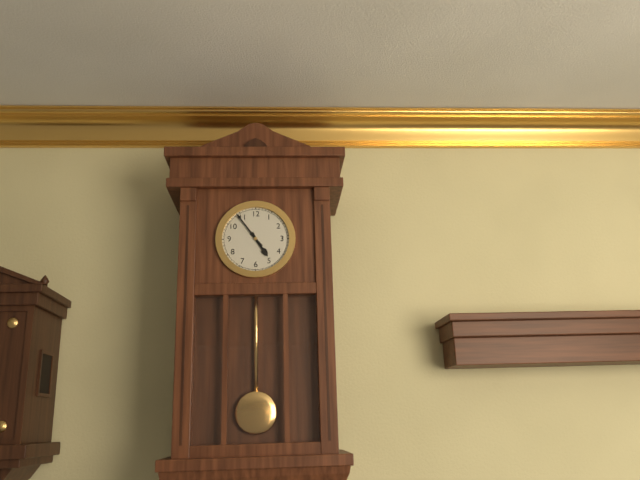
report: 4,54
